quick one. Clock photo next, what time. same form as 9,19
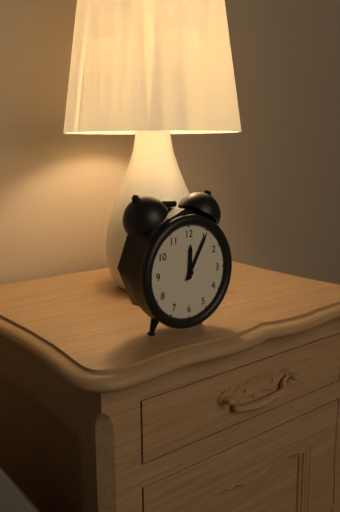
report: 12,05
